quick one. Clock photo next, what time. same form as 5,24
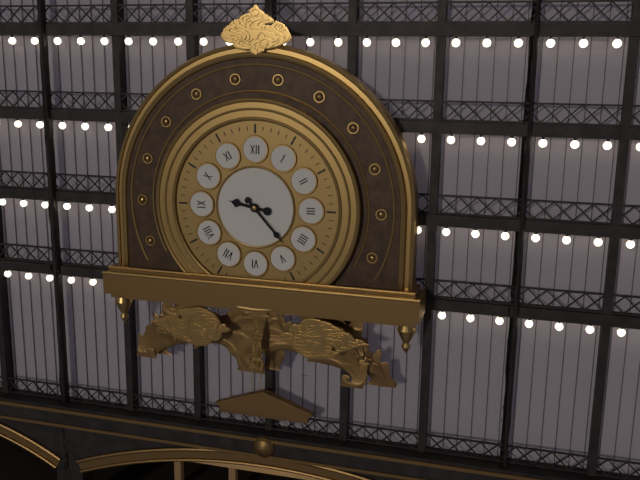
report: 9,23
